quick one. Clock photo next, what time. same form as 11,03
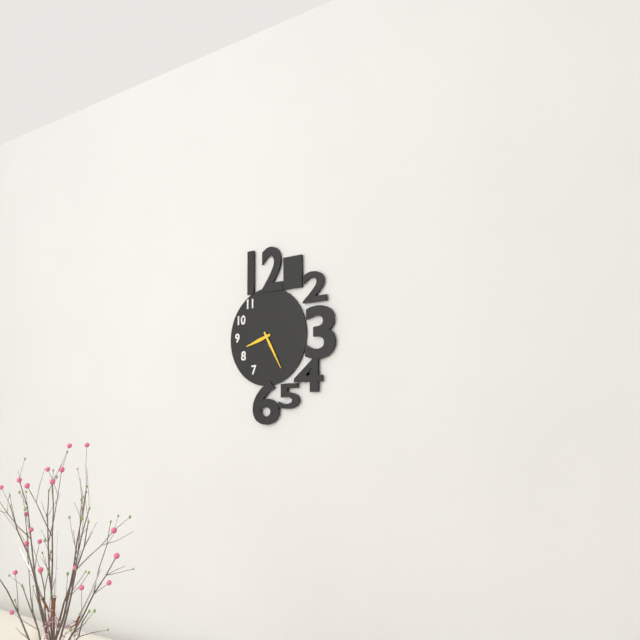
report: 8,25
